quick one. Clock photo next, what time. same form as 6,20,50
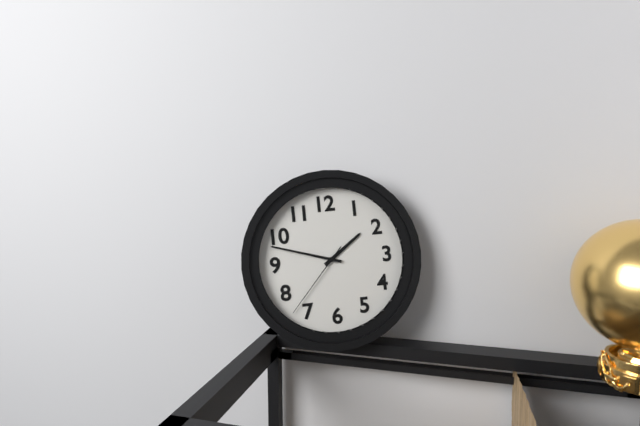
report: 1,48,37
